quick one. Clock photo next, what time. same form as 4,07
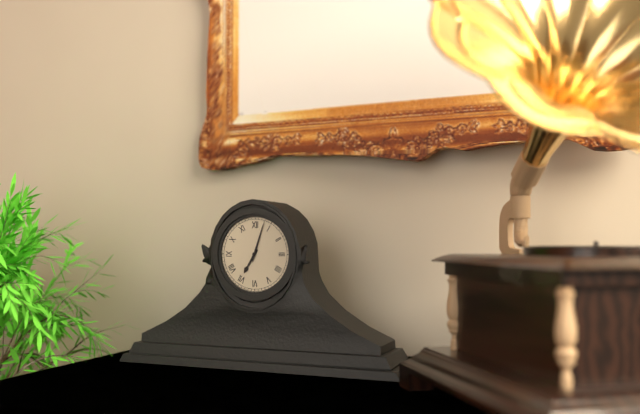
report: 7,03
